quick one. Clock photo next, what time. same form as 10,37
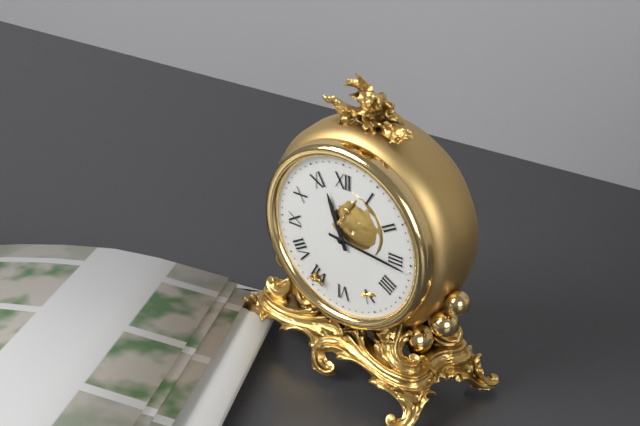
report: 11,16
